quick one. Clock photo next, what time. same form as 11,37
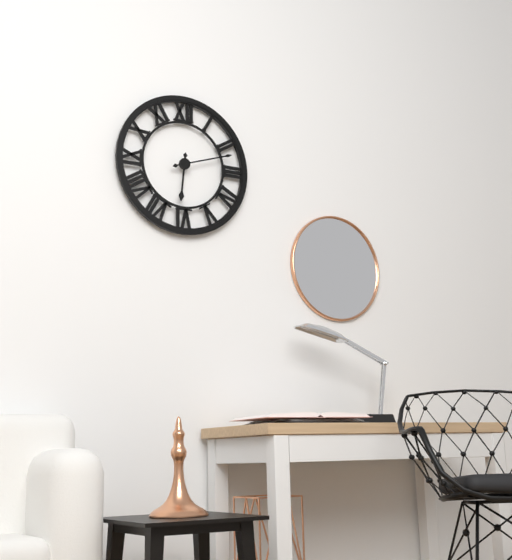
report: 6,12
